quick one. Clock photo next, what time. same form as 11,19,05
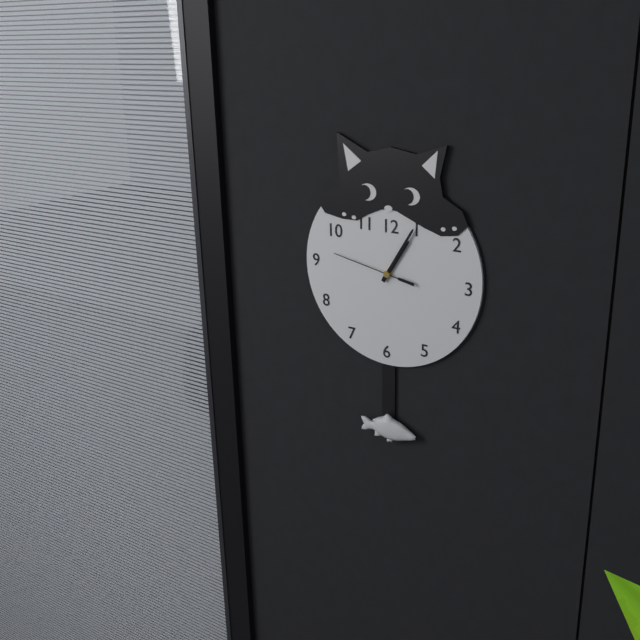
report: 1,05,47
